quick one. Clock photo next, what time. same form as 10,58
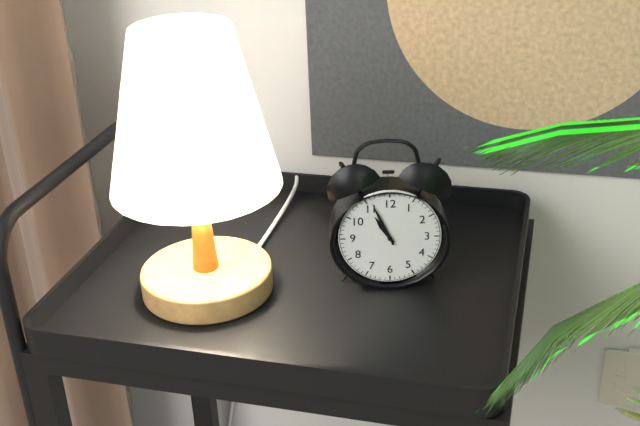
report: 10,56
